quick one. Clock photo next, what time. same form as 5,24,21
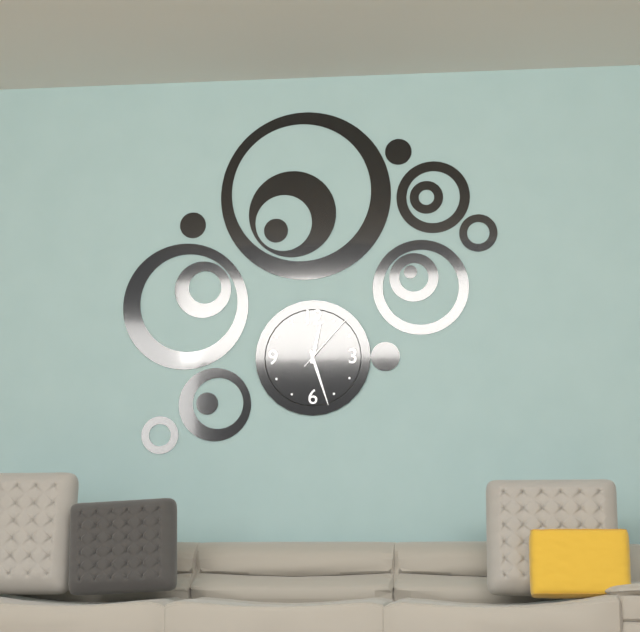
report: 12,27,07
